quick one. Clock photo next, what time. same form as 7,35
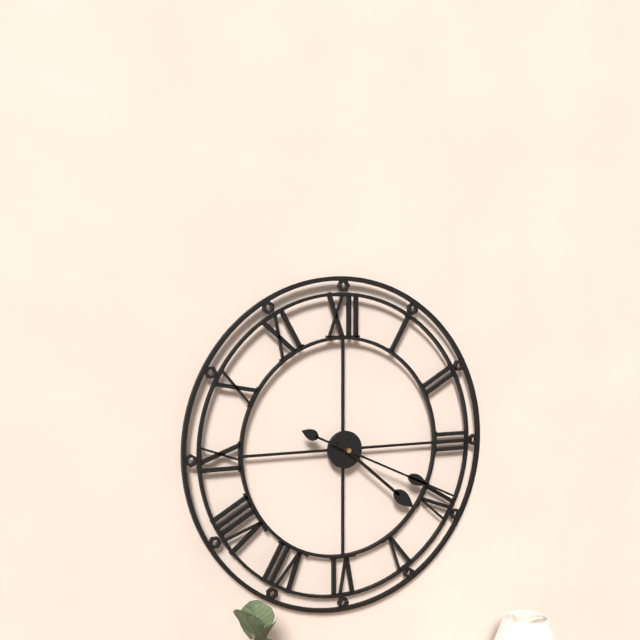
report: 4,19
